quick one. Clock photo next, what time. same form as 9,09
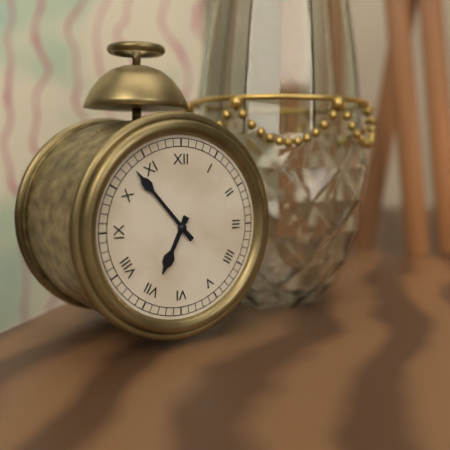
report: 6,53
